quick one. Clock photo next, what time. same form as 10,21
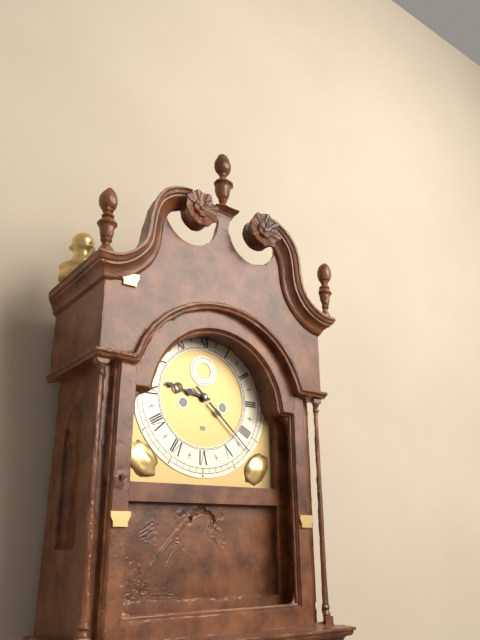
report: 9,22
